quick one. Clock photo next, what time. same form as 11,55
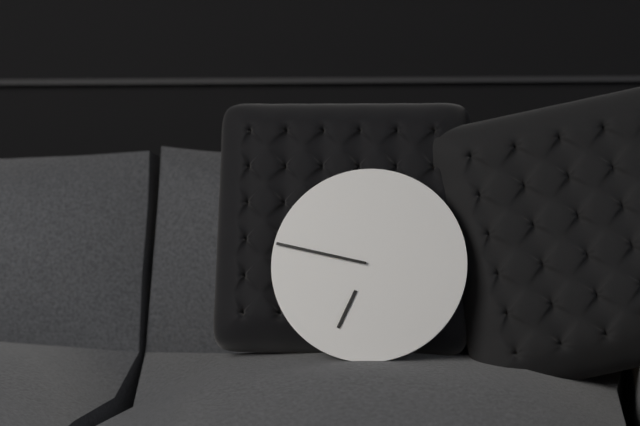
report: 6,47
